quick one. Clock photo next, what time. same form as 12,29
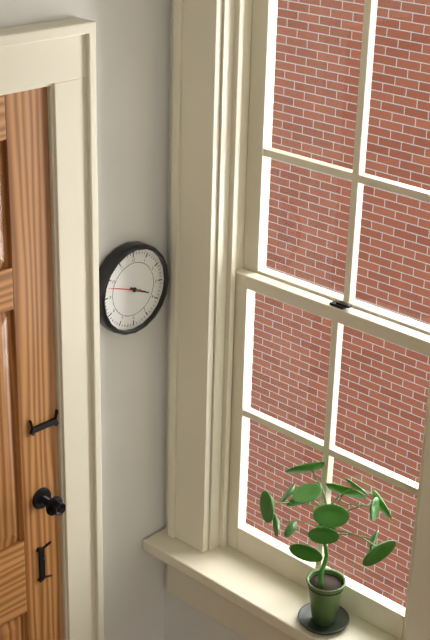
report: 3,48
